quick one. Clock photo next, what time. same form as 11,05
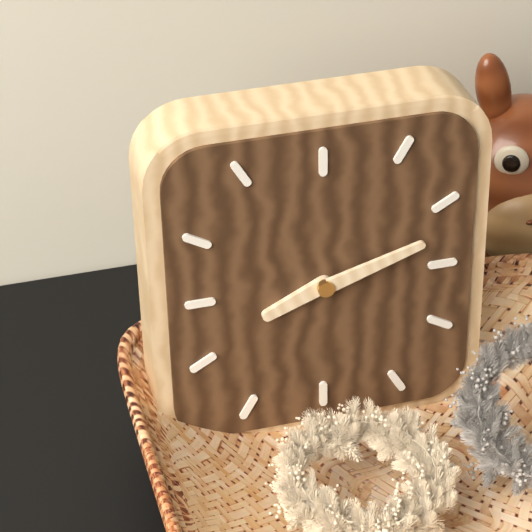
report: 8,12
